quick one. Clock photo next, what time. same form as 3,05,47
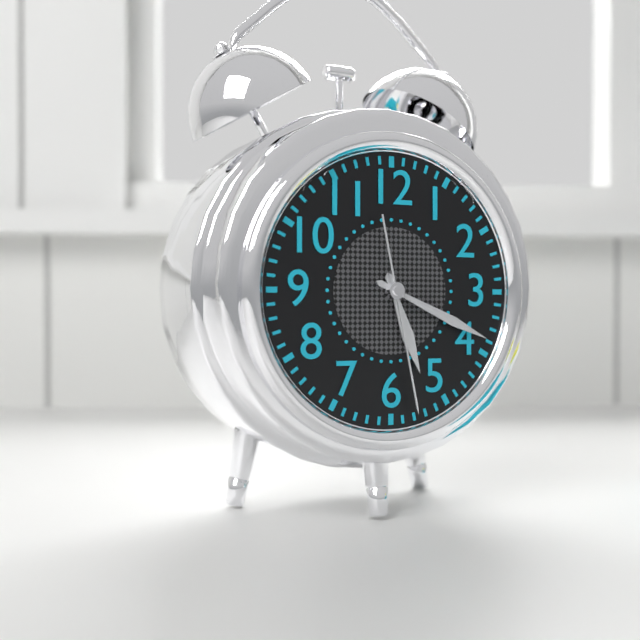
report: 5,19,28
